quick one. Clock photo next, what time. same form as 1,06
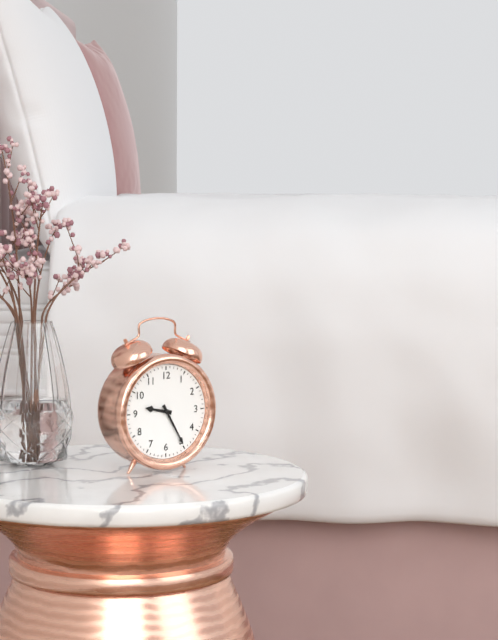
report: 9,25
